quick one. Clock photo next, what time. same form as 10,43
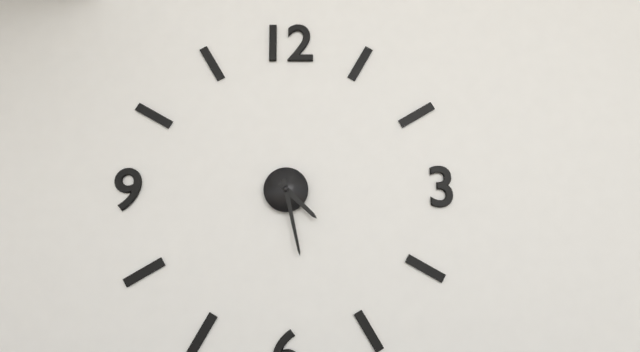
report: 4,28
